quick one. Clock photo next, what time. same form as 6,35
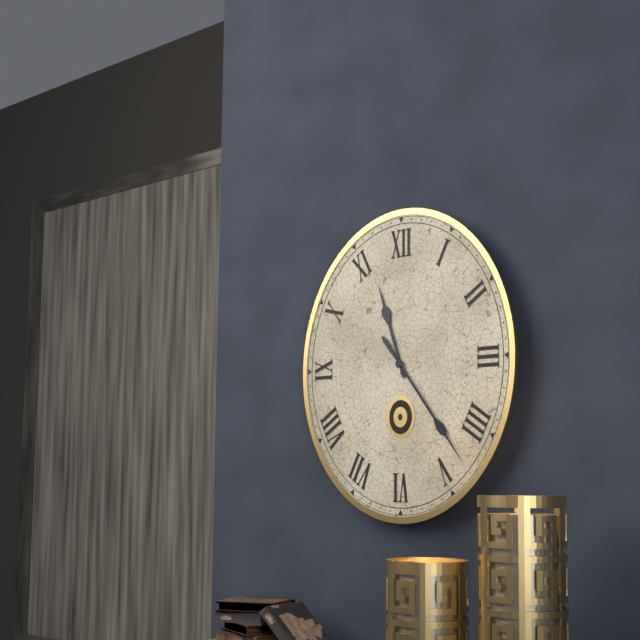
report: 11,24
